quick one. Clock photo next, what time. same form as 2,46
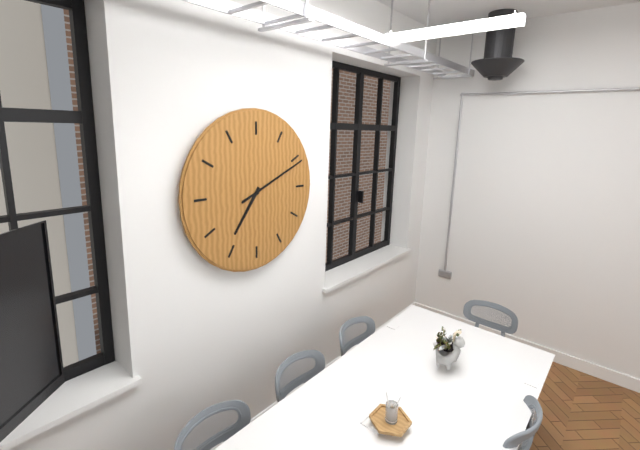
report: 7,11
